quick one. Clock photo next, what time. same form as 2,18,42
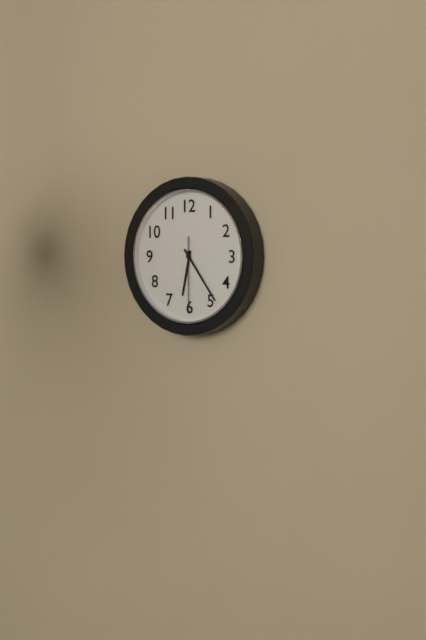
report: 6,24,30
